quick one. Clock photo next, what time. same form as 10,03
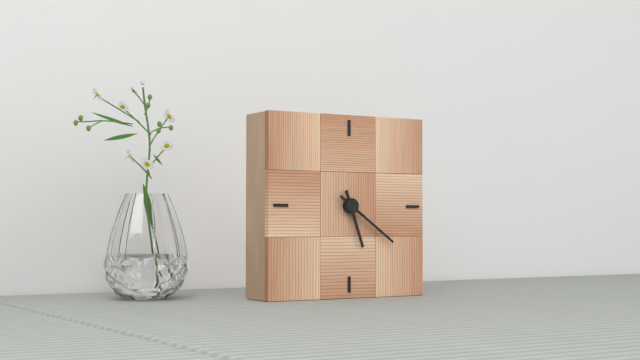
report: 5,21
